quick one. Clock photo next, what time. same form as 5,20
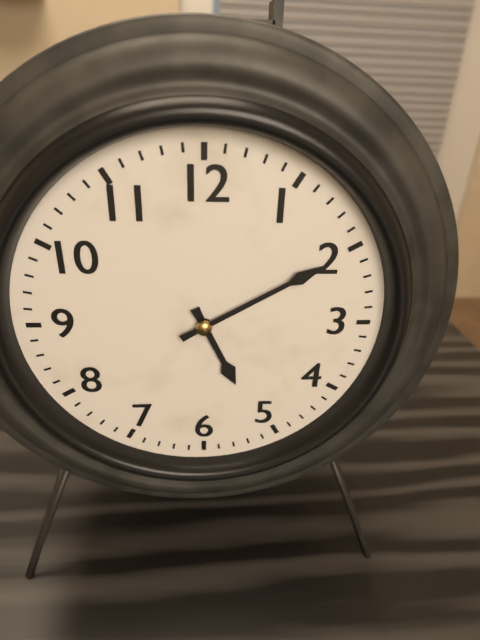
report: 5,10
